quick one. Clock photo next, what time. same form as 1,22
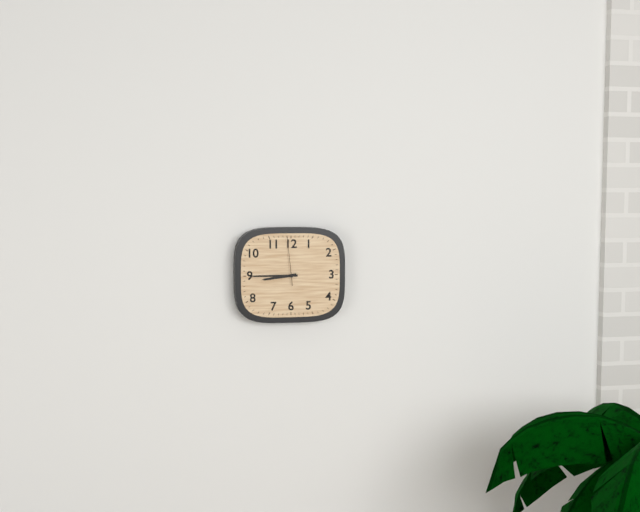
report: 8,45
